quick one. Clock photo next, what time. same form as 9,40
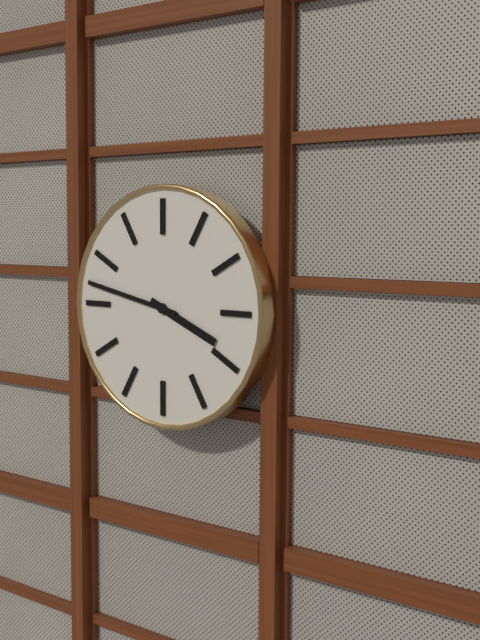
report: 3,47
